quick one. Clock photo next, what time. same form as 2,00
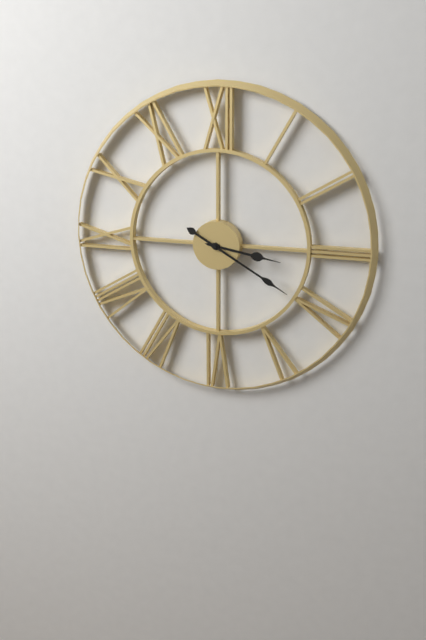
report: 3,20
